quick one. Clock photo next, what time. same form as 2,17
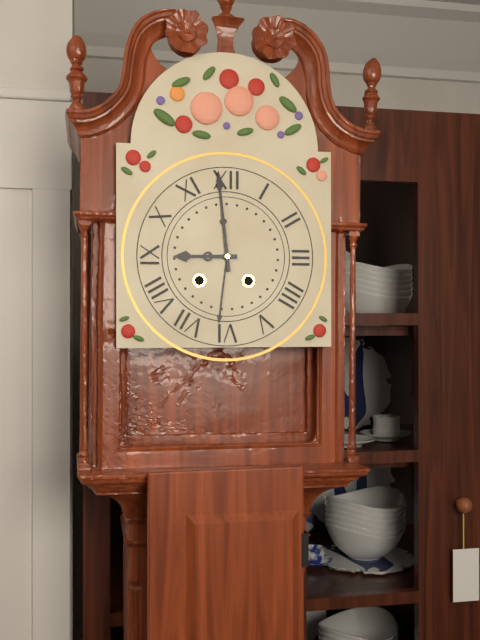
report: 8,59
